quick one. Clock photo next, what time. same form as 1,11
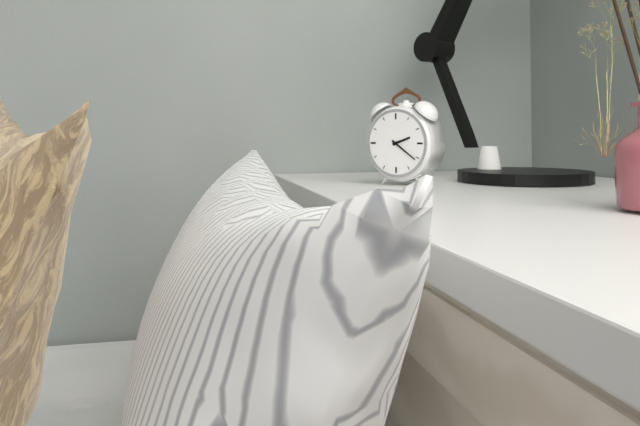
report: 2,21
